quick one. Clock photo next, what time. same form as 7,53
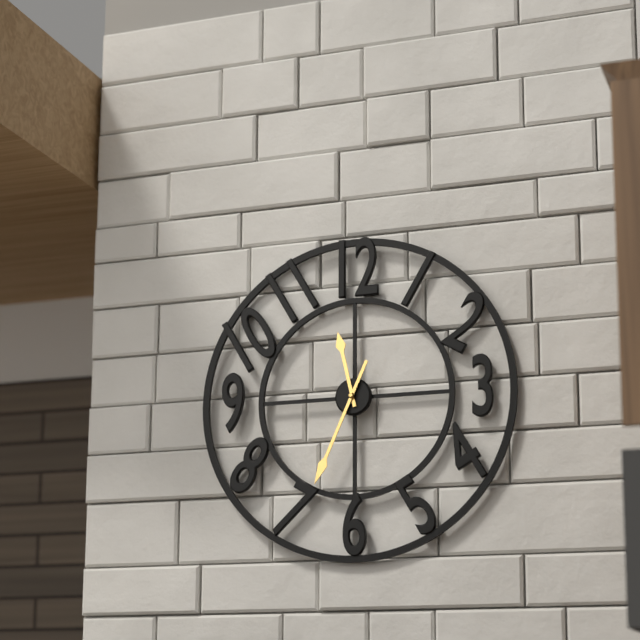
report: 11,34
